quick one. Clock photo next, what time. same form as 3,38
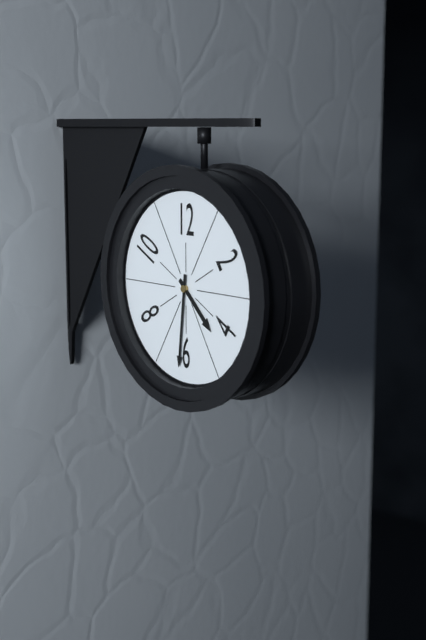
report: 4,31
